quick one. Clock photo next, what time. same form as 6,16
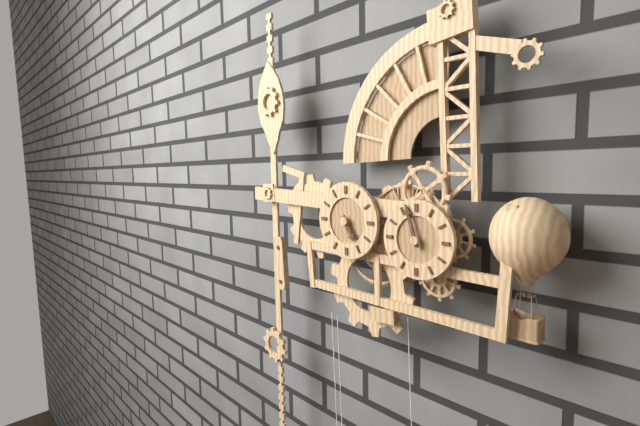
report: 4,57
